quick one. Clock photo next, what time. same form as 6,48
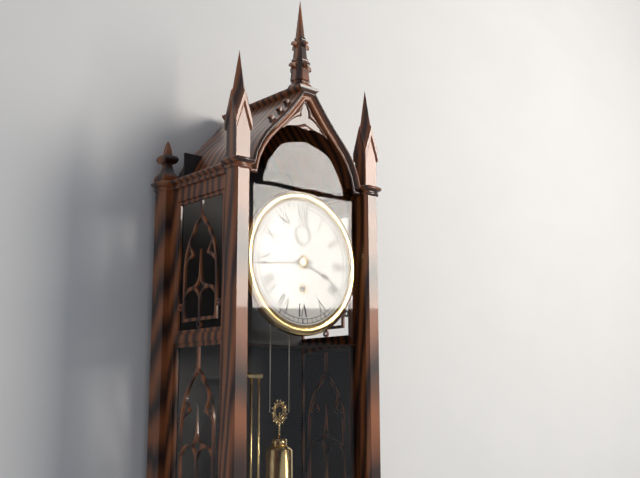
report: 3,44
